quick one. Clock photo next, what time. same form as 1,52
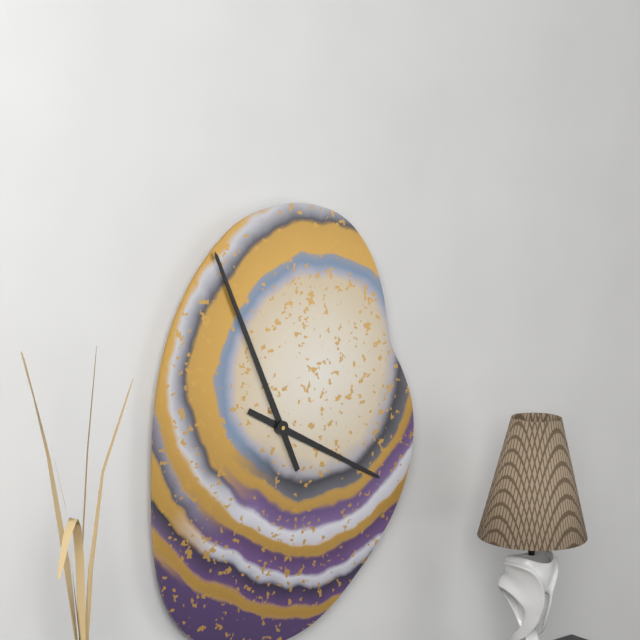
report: 3,56
